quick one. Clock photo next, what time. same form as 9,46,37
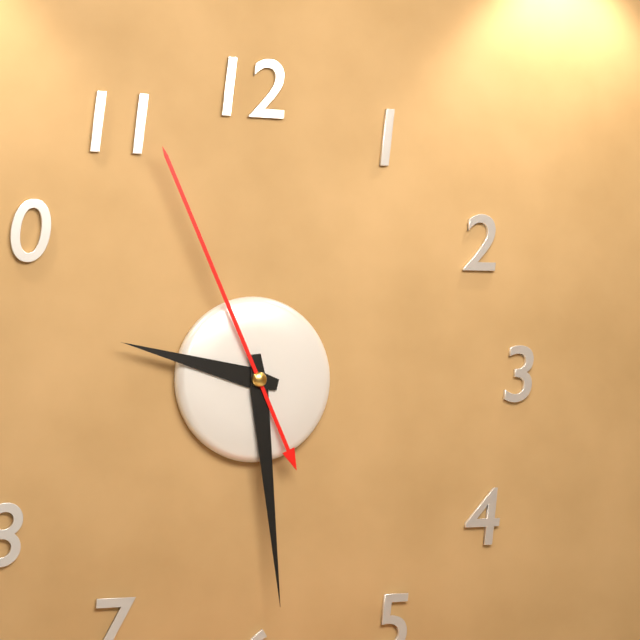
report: 9,29,56
